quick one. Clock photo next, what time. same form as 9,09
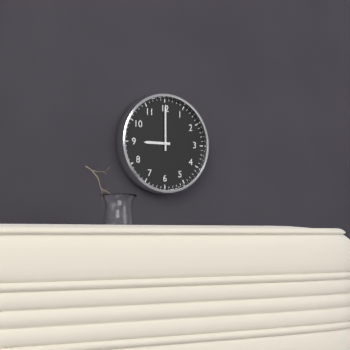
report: 9,00
